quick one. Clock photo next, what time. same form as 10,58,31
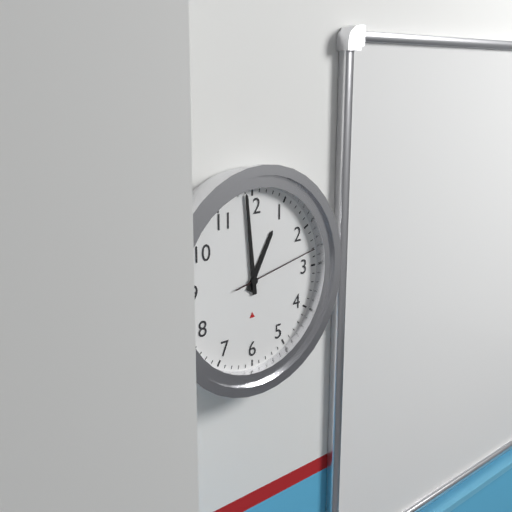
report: 12,59,13
